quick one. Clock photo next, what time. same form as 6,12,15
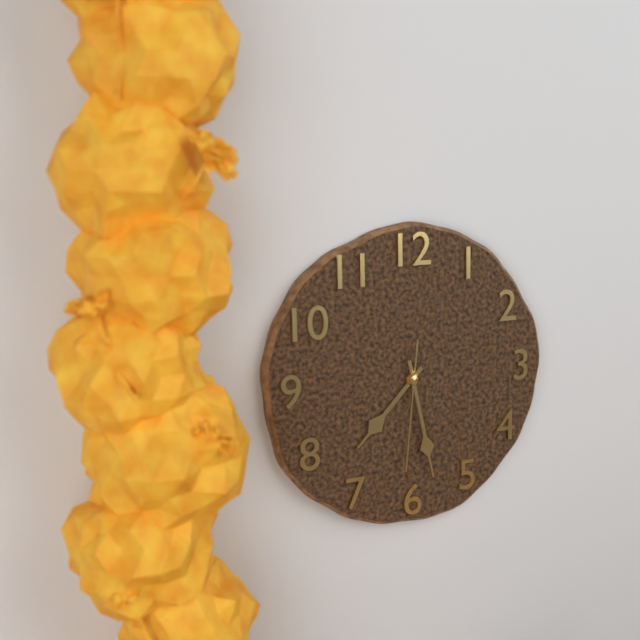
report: 7,28,31
